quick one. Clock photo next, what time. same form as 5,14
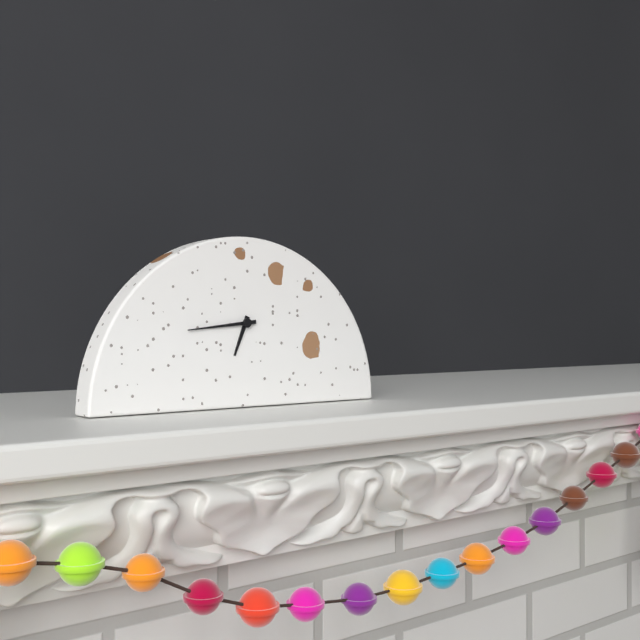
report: 6,44
